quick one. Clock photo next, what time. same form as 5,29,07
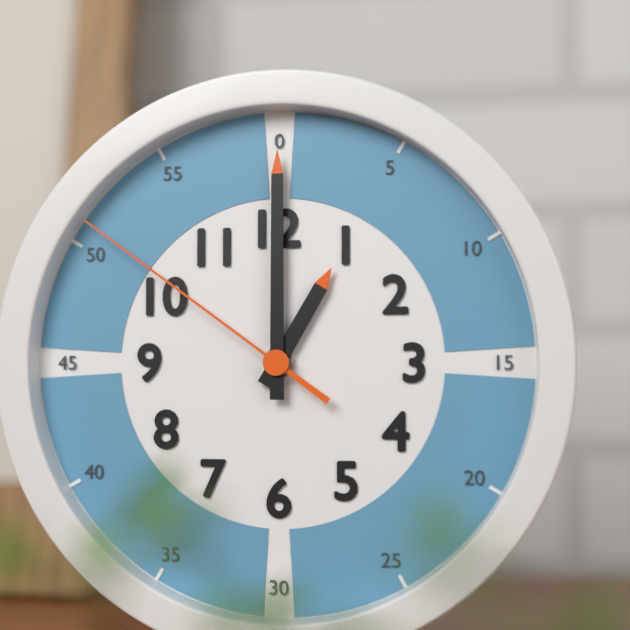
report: 1,00,51
